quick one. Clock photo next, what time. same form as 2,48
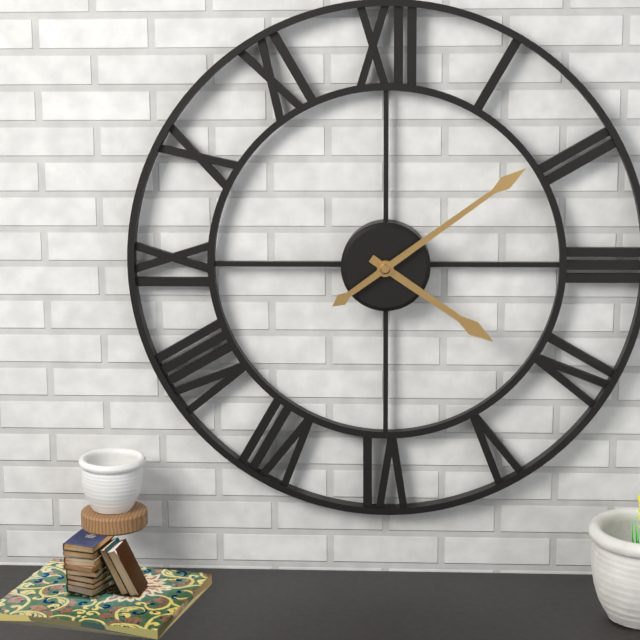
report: 4,09
